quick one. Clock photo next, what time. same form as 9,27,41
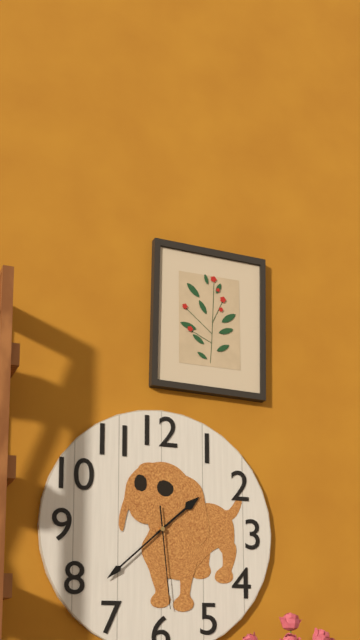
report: 1,38,29
